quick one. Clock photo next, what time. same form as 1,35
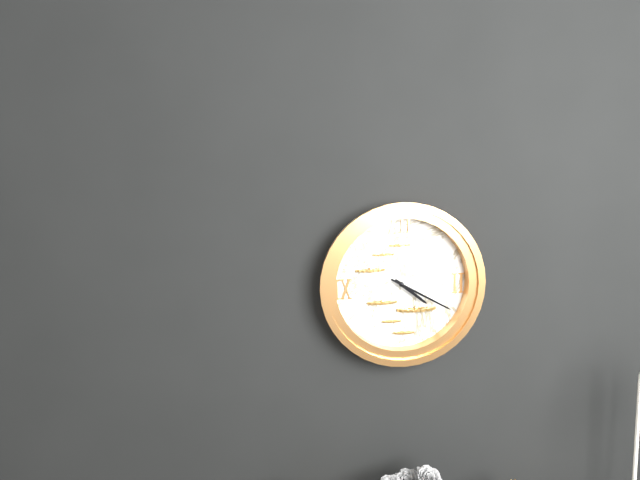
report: 4,20
